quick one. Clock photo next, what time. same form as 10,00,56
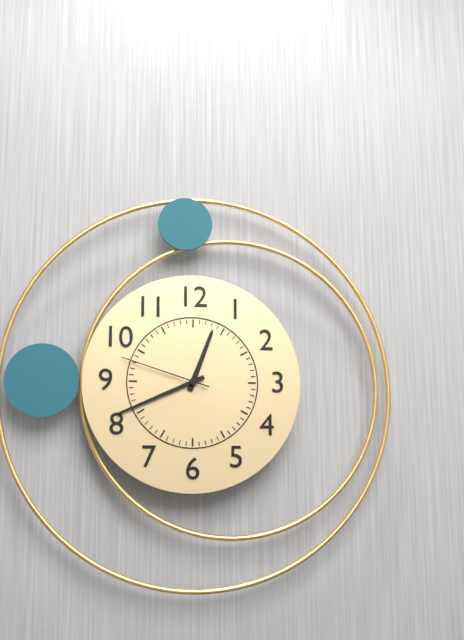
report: 12,41,48
